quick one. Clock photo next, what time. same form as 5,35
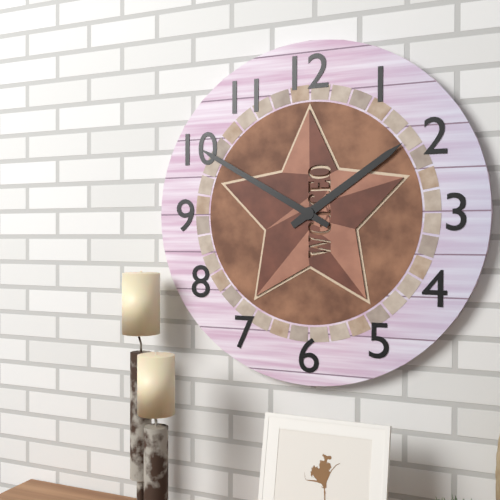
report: 1,50
